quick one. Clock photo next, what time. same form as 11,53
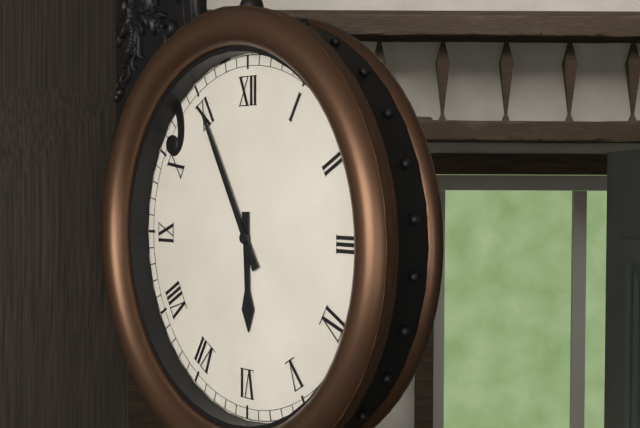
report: 5,55
